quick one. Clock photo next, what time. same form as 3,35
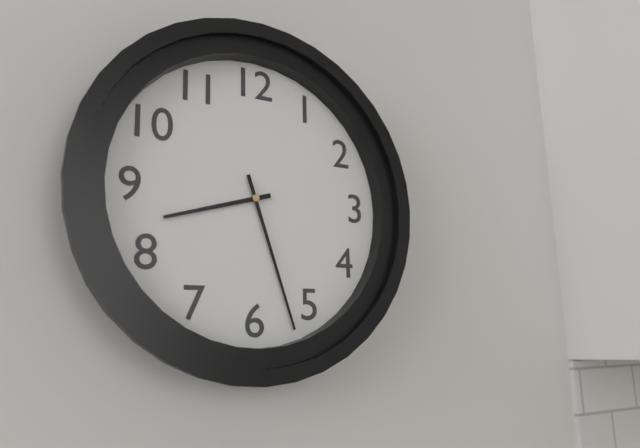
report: 8,27
